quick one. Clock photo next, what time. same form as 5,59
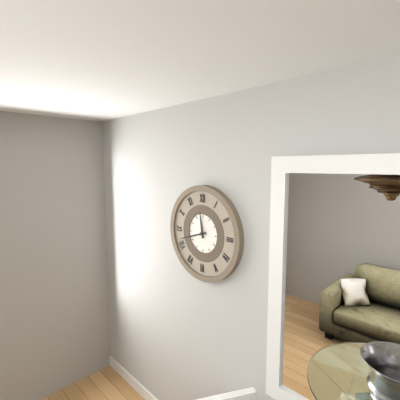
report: 11,42
